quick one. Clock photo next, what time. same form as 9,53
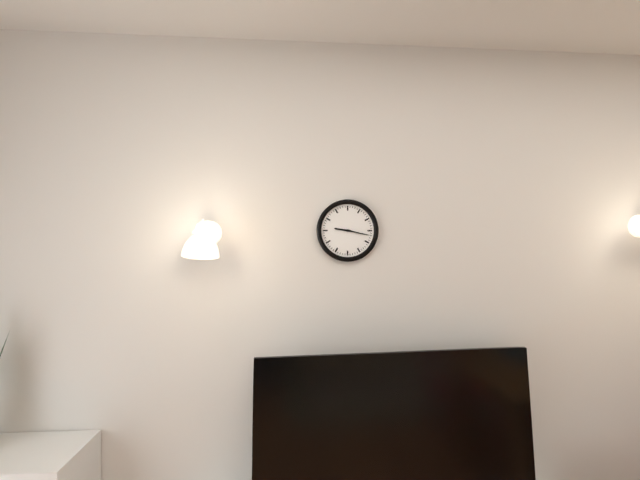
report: 9,17
